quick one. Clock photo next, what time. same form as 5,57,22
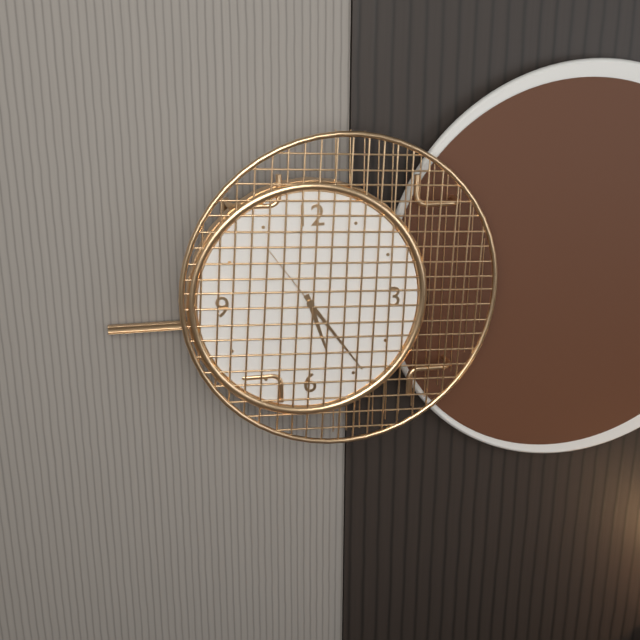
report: 5,24,54
